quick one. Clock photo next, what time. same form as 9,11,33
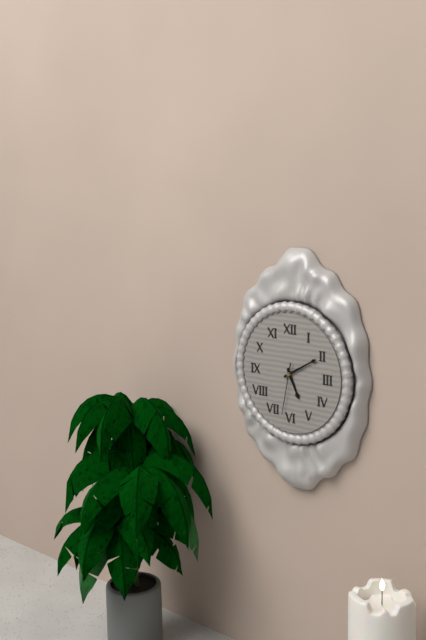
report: 5,10,32
